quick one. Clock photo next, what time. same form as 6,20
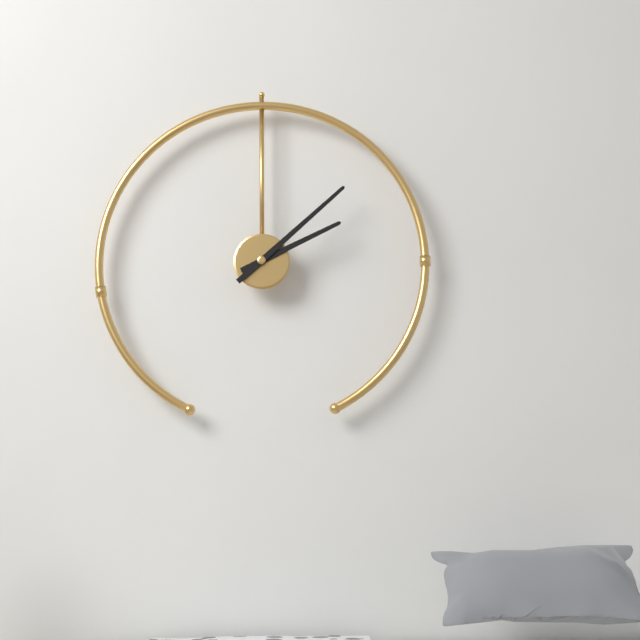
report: 2,08
